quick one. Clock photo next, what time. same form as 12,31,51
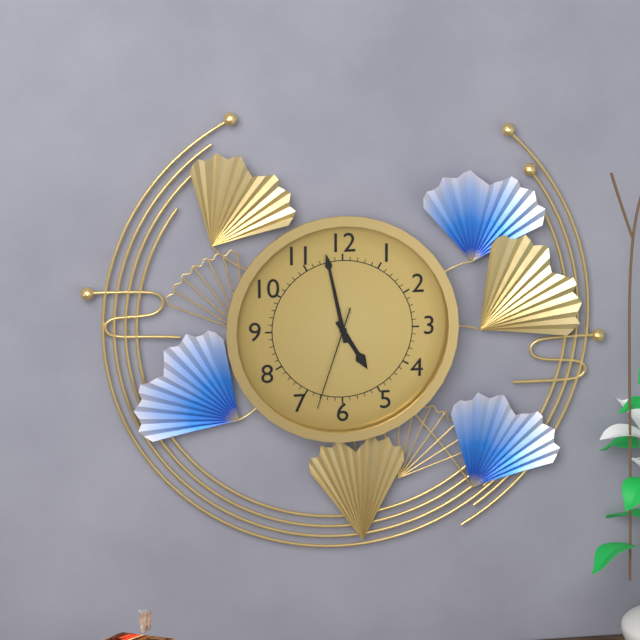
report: 4,58,33
